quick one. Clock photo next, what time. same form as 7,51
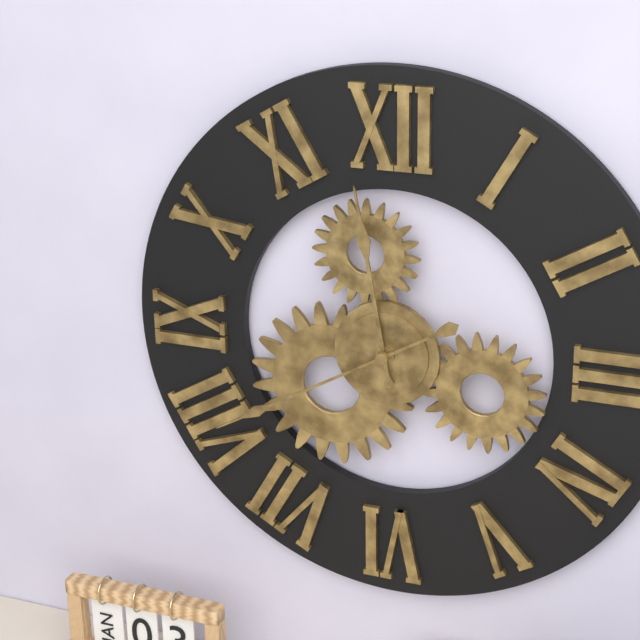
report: 11,40
